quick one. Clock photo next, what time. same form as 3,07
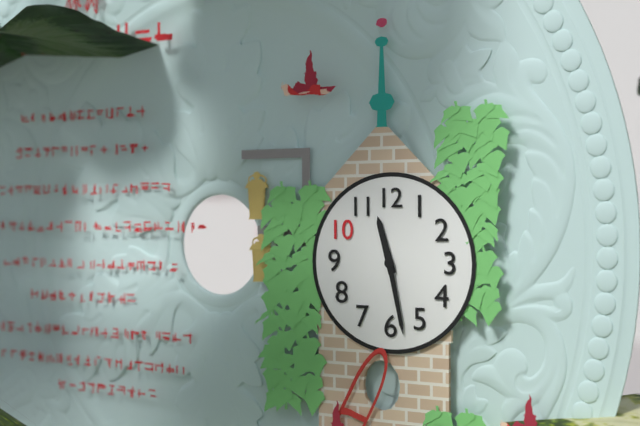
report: 11,28
